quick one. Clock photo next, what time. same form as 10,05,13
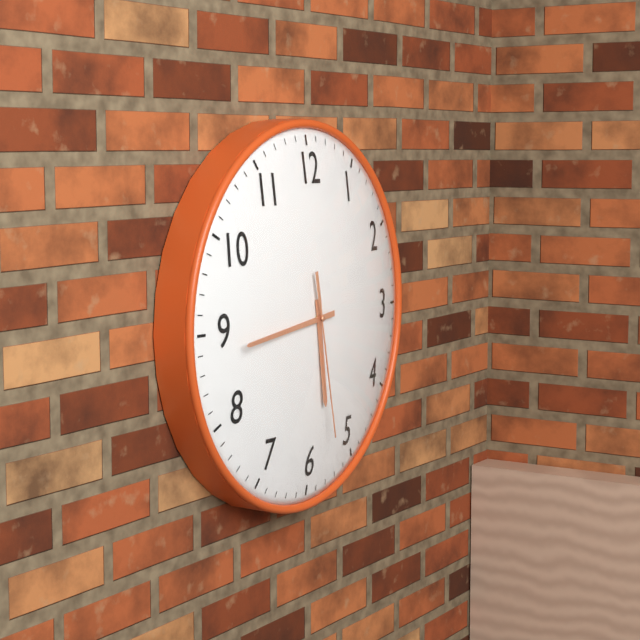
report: 5,44,28
